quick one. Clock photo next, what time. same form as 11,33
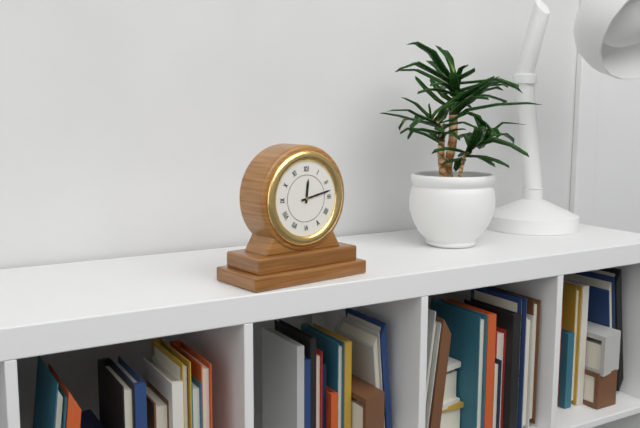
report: 12,13
